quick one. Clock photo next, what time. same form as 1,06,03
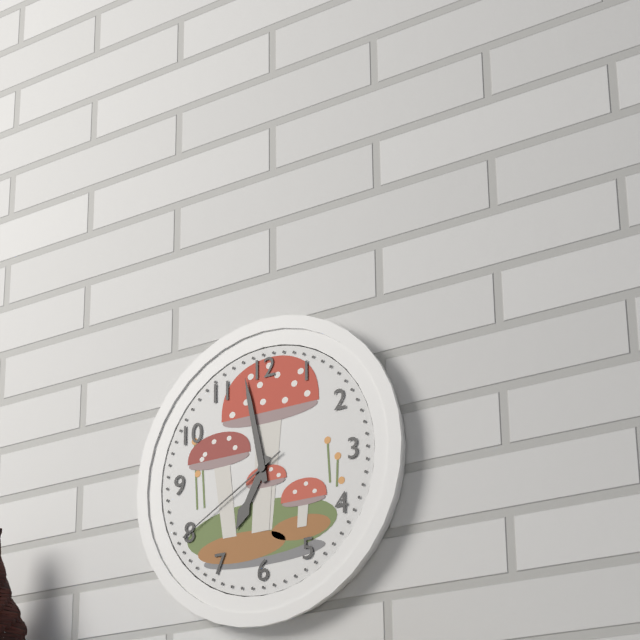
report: 6,58,40
